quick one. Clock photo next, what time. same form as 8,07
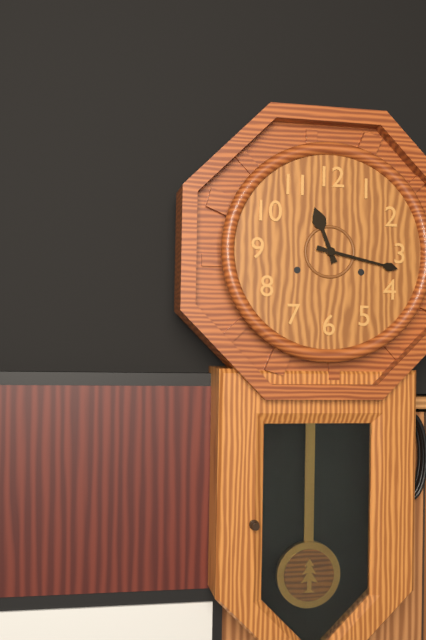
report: 11,17
